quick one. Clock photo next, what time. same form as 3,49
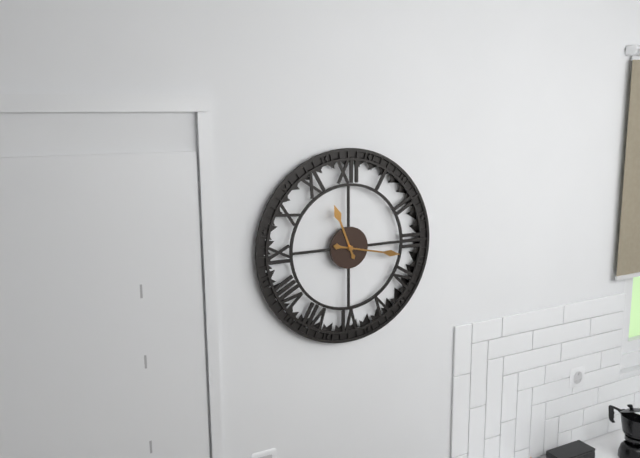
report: 11,17
